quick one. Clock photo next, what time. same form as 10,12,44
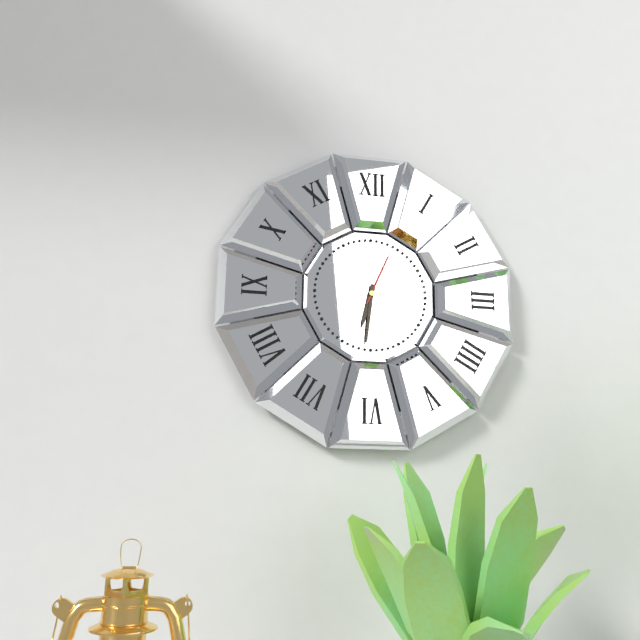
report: 6,31,04
